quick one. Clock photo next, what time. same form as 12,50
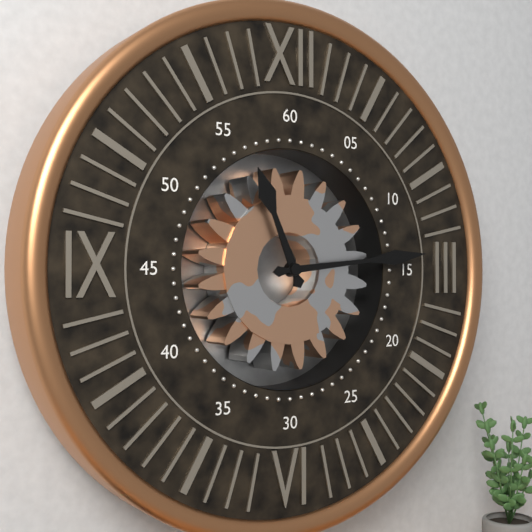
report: 11,14
